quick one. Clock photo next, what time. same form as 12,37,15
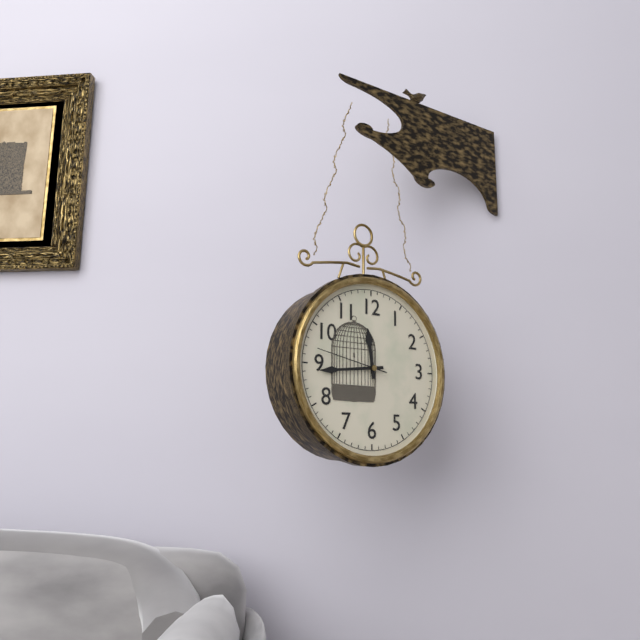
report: 11,44,47
